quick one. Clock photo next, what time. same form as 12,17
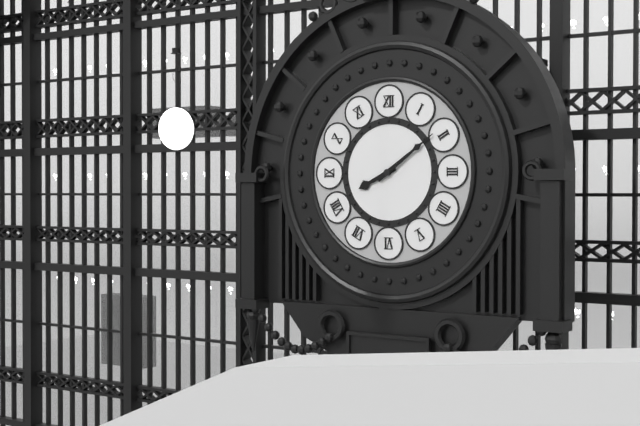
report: 8,09
